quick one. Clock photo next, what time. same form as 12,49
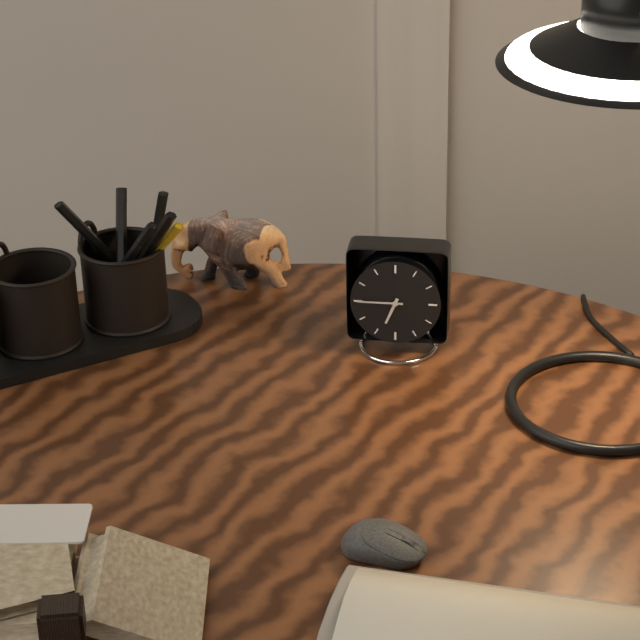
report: 6,45
